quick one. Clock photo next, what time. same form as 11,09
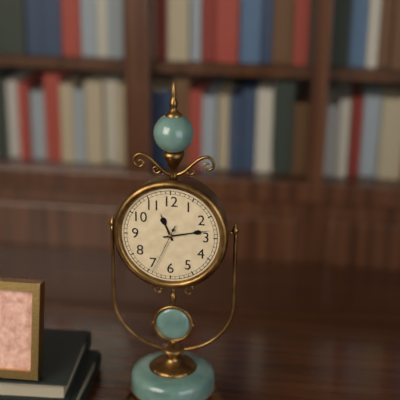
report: 11,13
